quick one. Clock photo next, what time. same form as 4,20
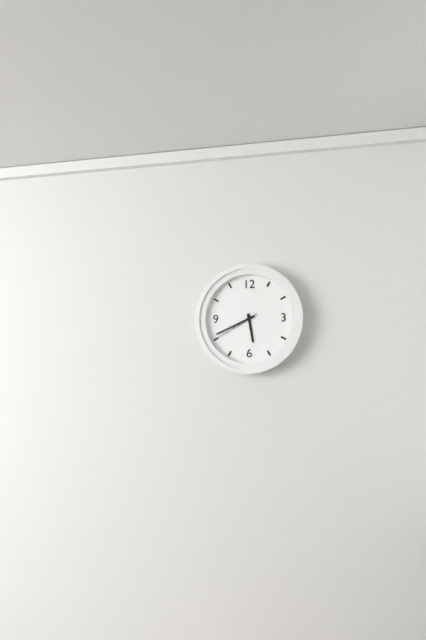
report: 5,41
